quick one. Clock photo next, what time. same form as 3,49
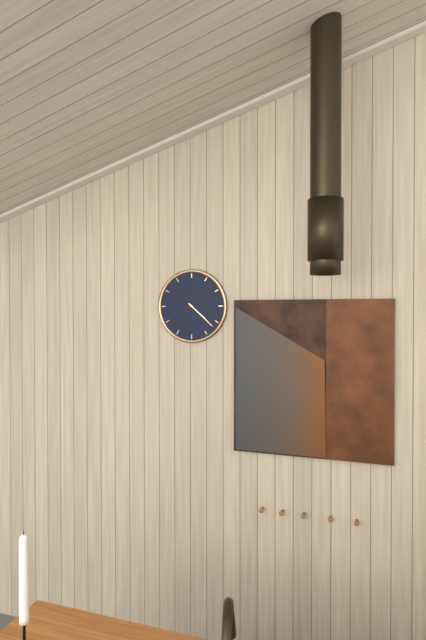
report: 4,22
